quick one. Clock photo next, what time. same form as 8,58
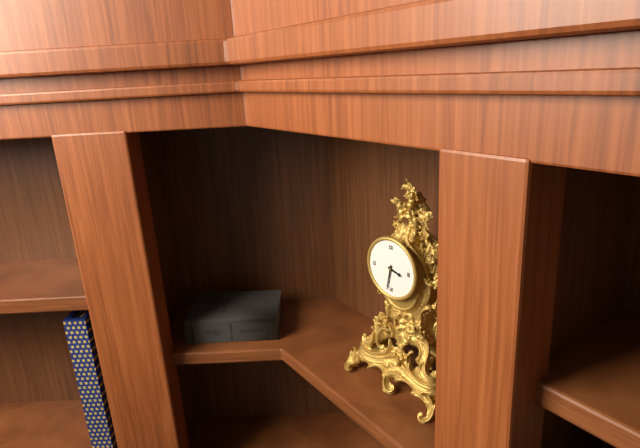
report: 3,32
